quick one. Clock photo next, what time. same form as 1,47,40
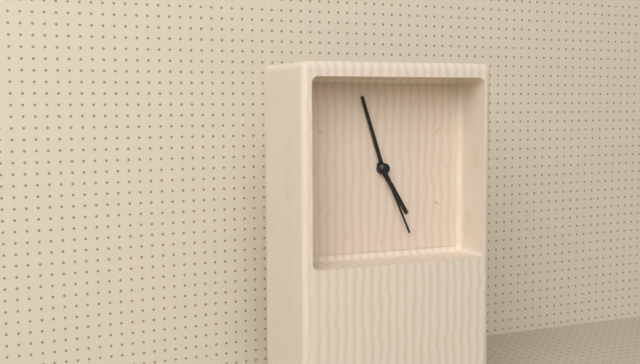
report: 4,57,26
